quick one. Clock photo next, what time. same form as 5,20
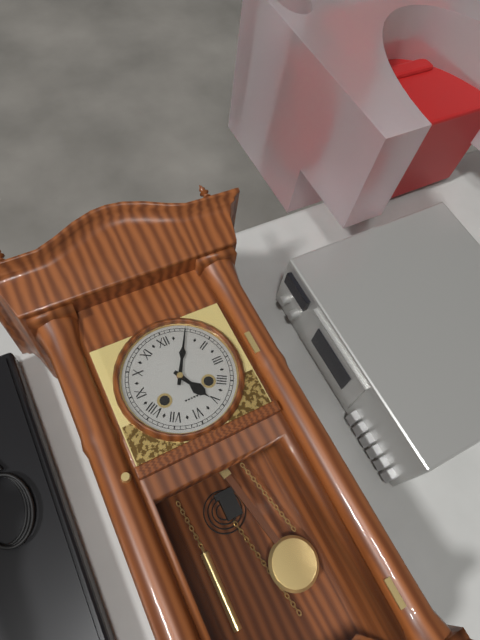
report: 5,05
